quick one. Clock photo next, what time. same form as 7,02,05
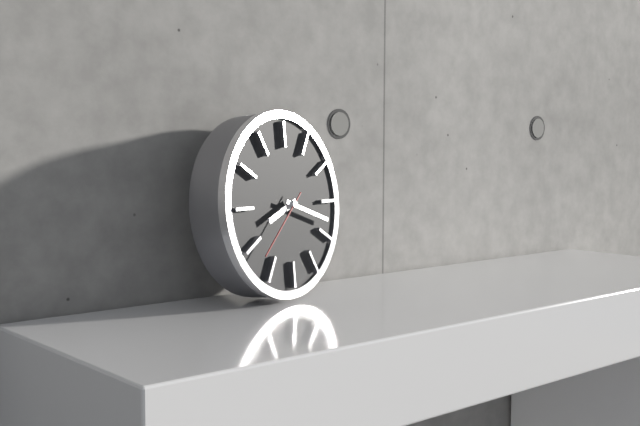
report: 8,18,38
